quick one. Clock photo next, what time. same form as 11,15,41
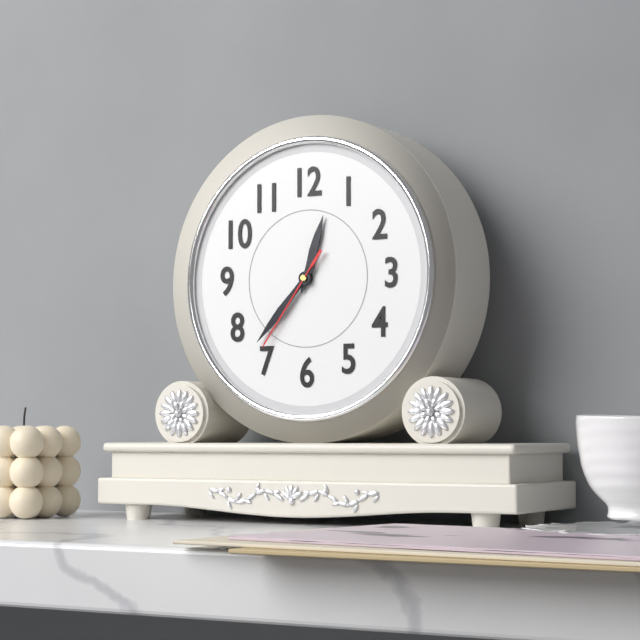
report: 12,37,36
